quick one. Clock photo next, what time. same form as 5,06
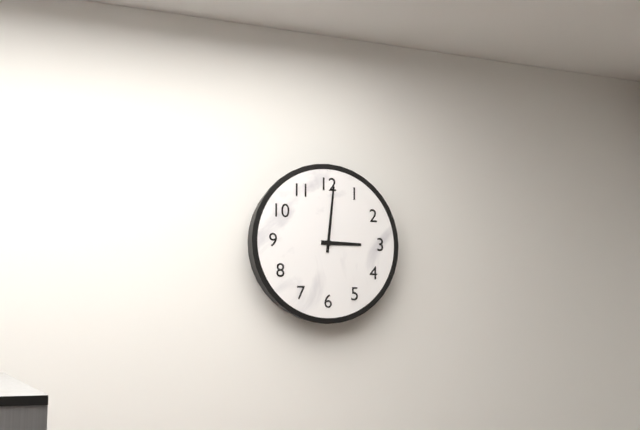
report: 3,01
